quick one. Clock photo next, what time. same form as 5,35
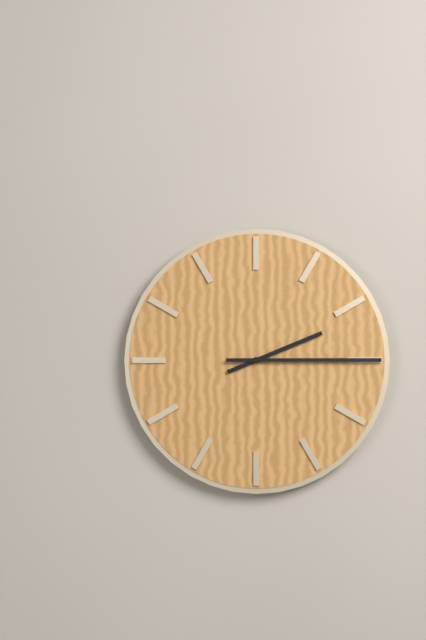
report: 2,15
